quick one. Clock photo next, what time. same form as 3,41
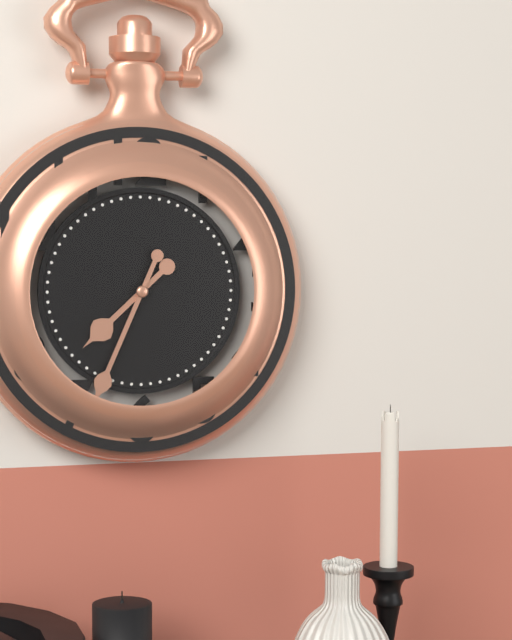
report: 7,34
